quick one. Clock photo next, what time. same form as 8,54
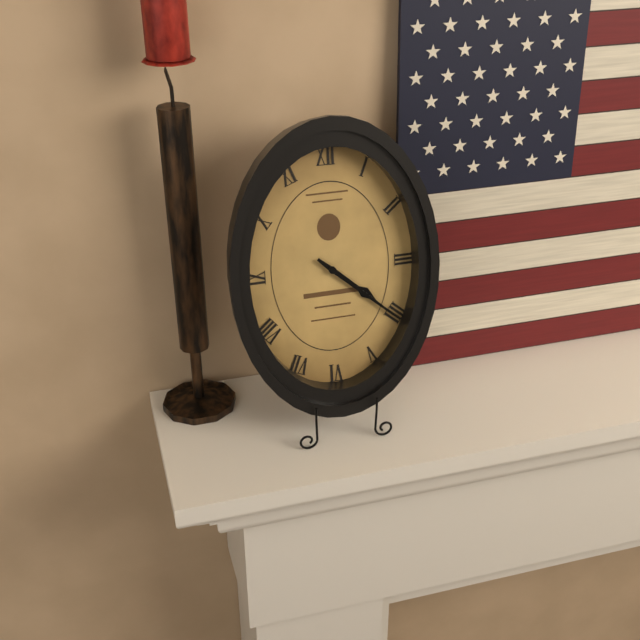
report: 4,22
